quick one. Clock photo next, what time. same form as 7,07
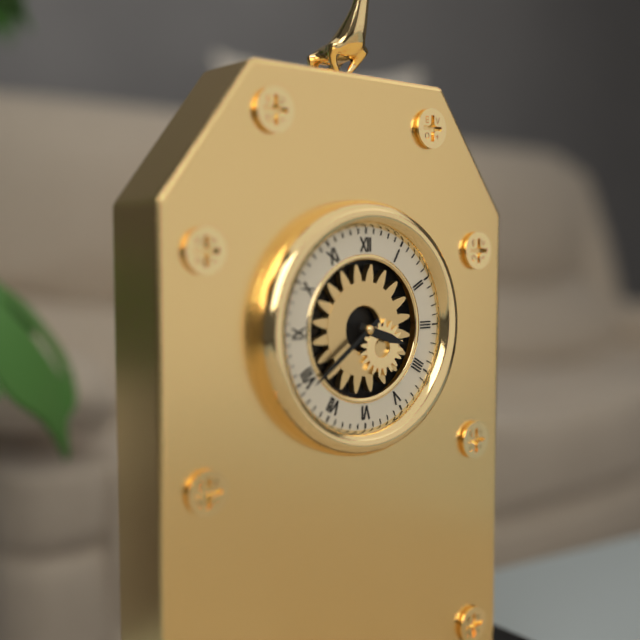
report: 3,39
